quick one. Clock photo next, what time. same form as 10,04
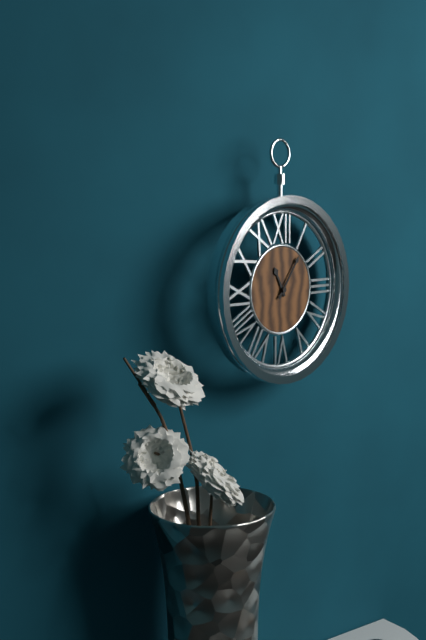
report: 11,06
